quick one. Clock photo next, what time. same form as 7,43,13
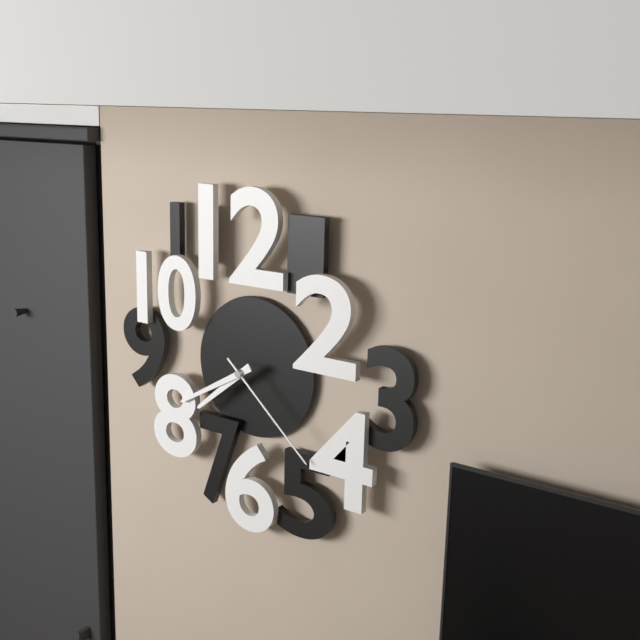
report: 7,40,22
